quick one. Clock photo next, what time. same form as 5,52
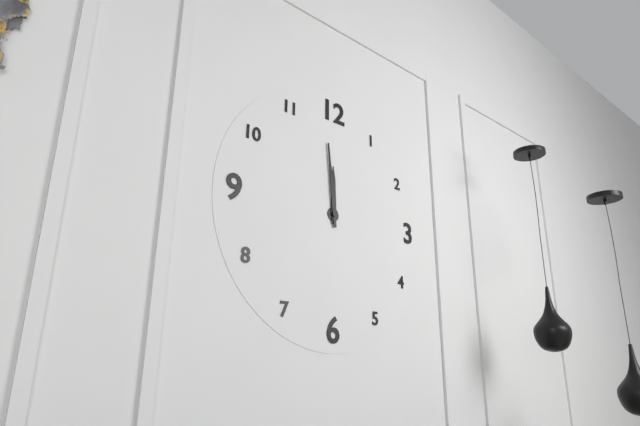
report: 11,59
